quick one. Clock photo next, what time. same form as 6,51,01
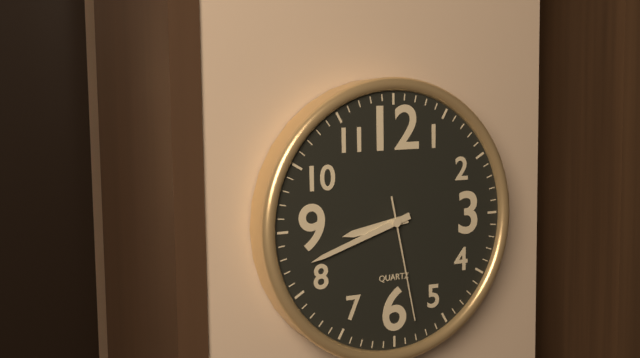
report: 8,42,28
